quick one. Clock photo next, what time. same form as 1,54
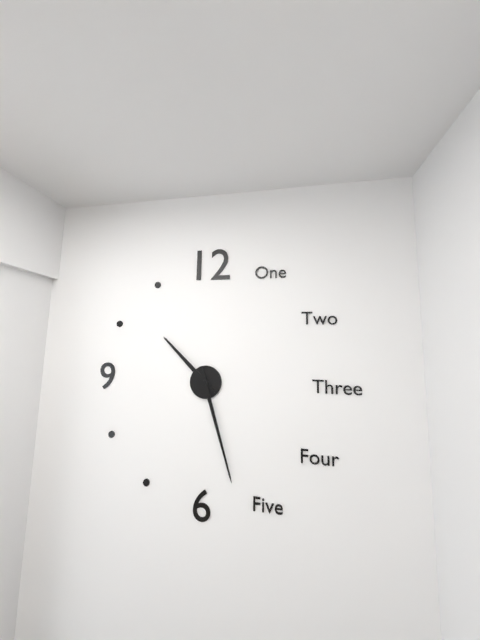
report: 10,27
